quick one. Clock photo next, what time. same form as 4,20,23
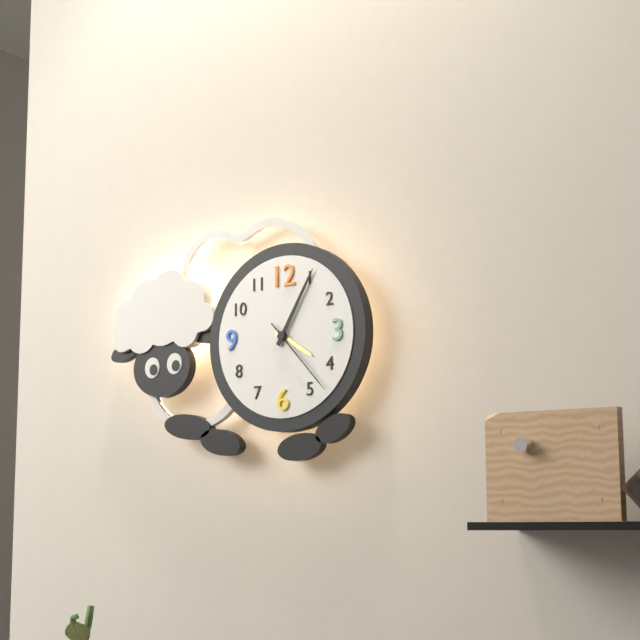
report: 4,05,23
